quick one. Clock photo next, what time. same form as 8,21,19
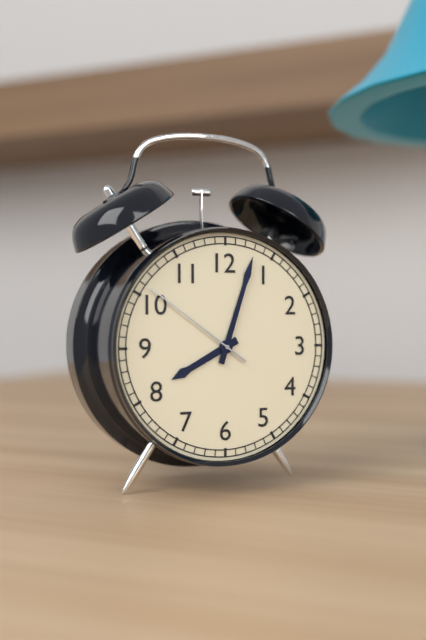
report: 8,03,51
